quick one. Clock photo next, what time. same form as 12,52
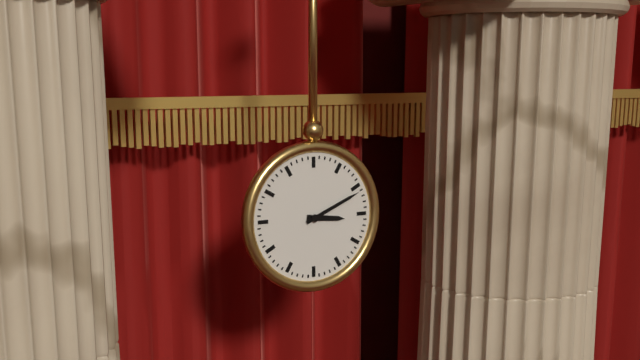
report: 3,11
